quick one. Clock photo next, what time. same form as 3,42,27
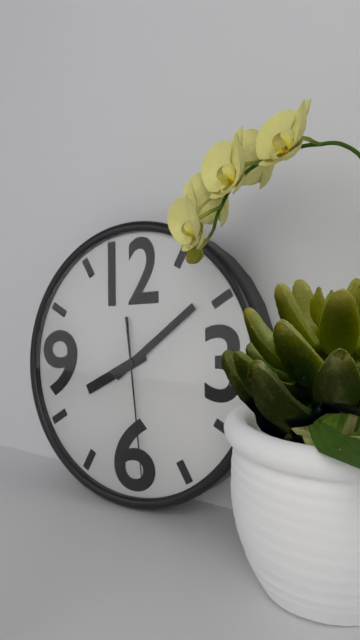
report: 8,09,29
